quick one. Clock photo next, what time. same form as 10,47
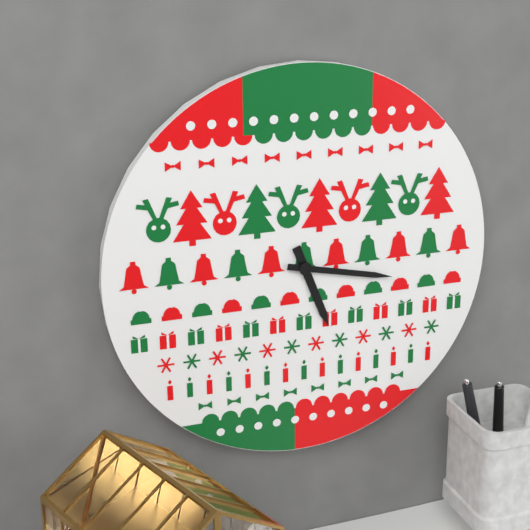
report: 5,17
